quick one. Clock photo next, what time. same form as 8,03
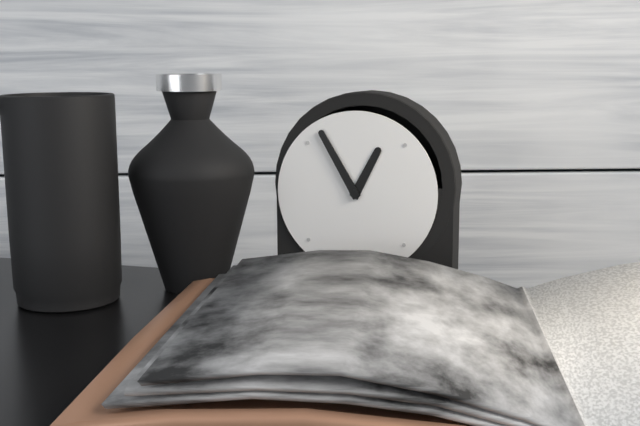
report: 12,55
